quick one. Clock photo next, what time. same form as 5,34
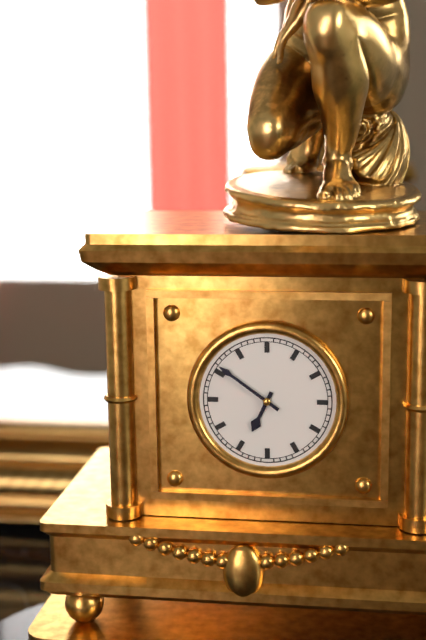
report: 6,51
